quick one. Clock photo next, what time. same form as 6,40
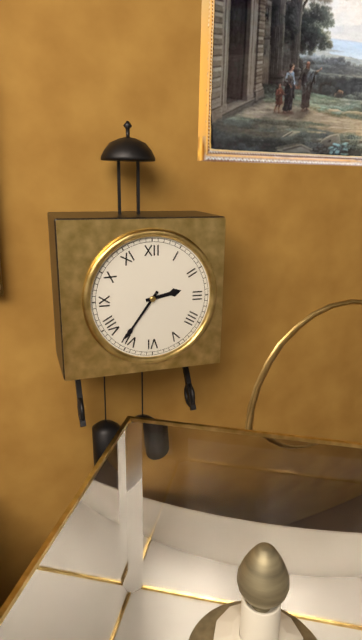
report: 2,36
